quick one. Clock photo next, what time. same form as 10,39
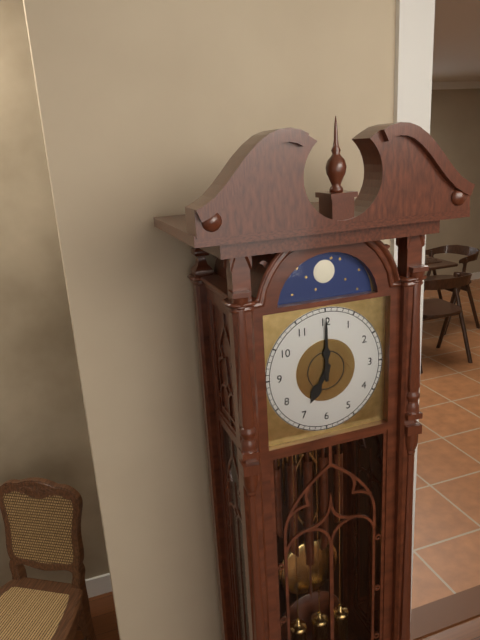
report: 7,00
